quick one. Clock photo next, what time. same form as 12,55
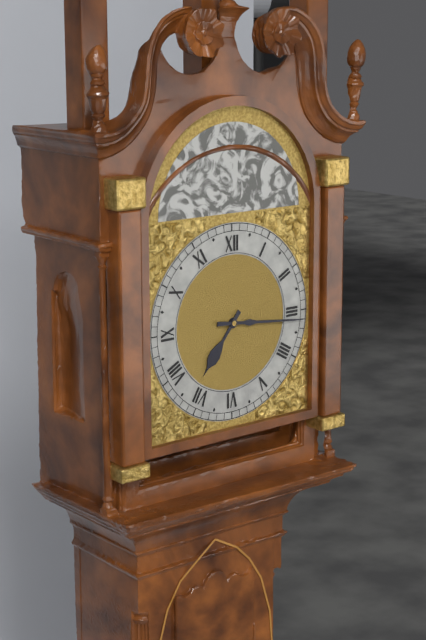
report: 7,16
